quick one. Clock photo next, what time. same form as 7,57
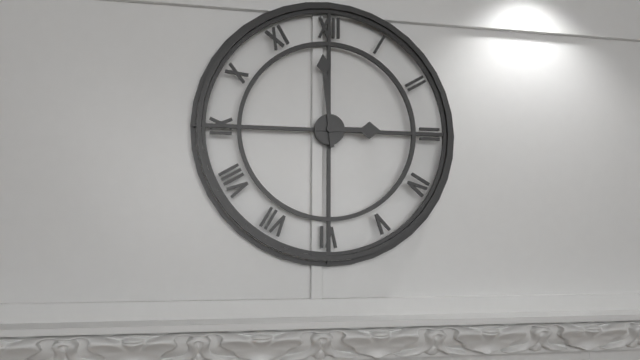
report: 2,59
